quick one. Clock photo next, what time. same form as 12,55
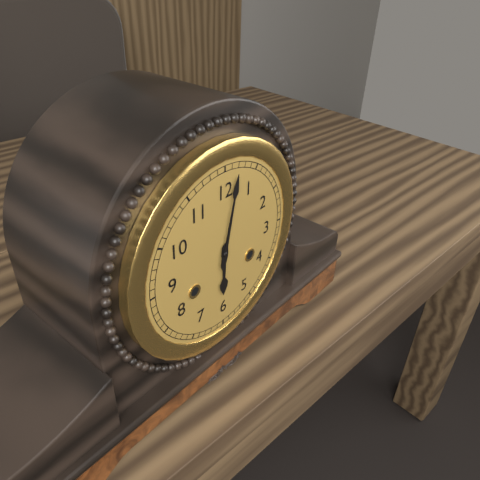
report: 6,02
